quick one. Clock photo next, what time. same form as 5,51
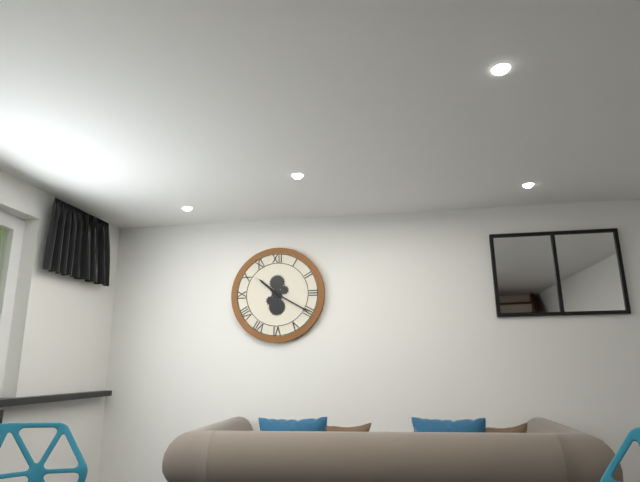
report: 10,20
